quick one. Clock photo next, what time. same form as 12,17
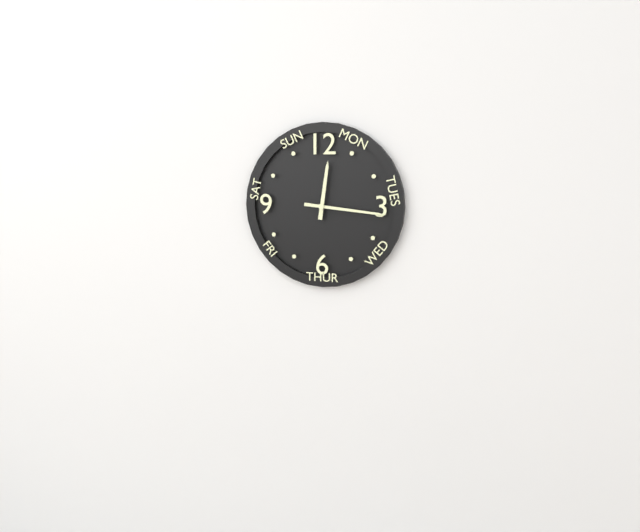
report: 12,16
